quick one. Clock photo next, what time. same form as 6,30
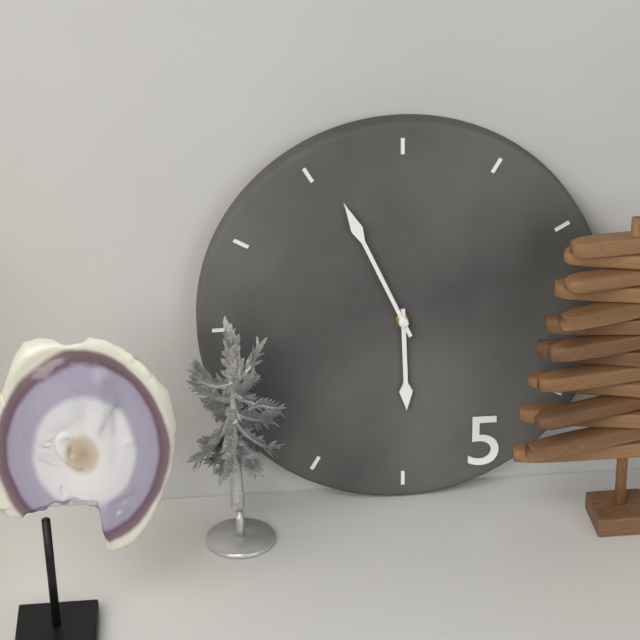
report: 5,56
